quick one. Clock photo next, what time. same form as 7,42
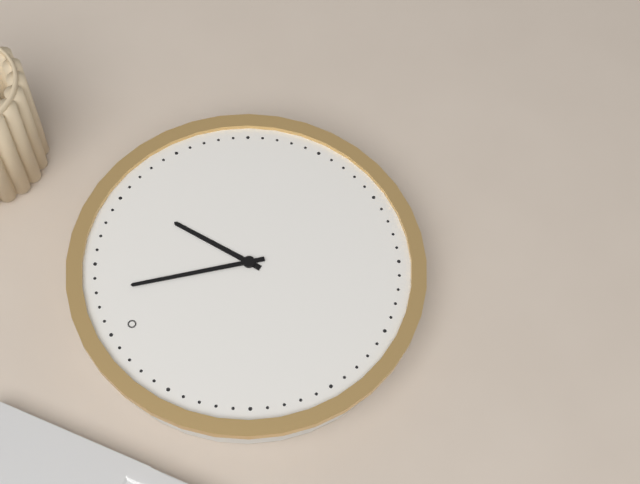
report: 2,03
